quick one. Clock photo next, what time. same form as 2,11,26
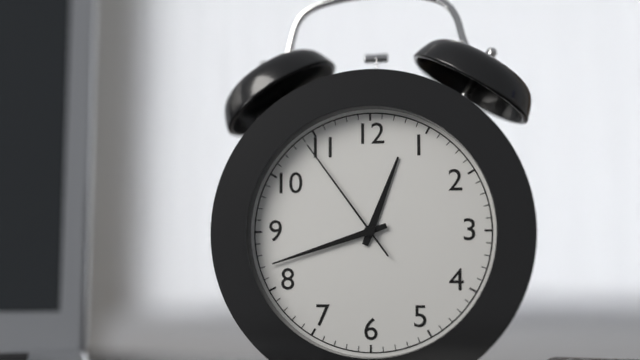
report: 12,42,54
